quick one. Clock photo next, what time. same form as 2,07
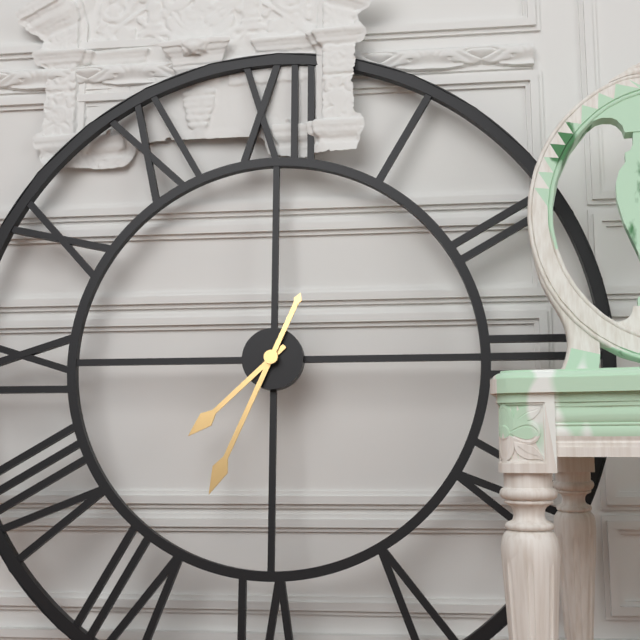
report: 7,34
